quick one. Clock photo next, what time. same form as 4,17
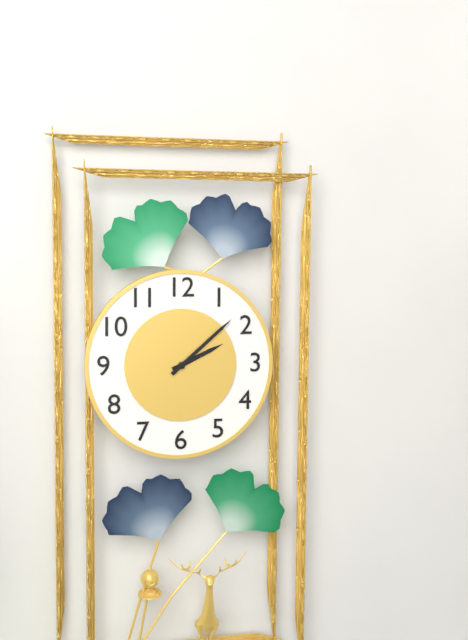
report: 2,08
